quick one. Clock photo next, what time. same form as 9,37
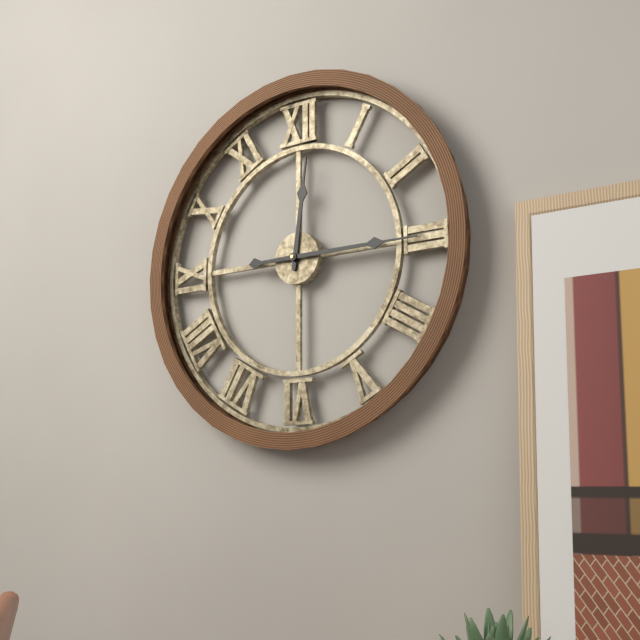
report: 12,15
